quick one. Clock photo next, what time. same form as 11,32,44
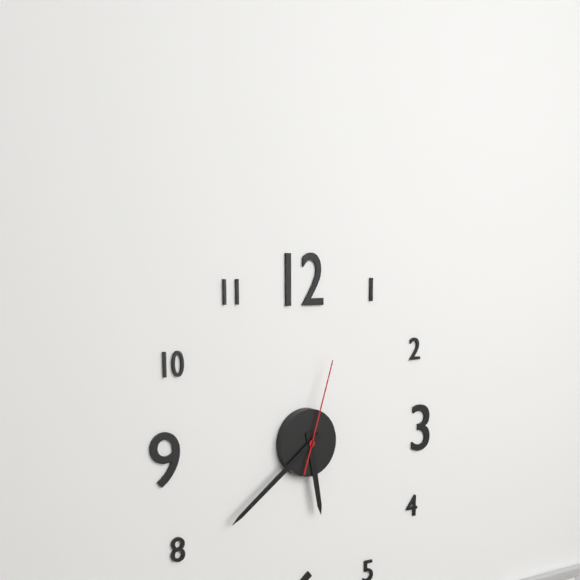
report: 5,39,03
